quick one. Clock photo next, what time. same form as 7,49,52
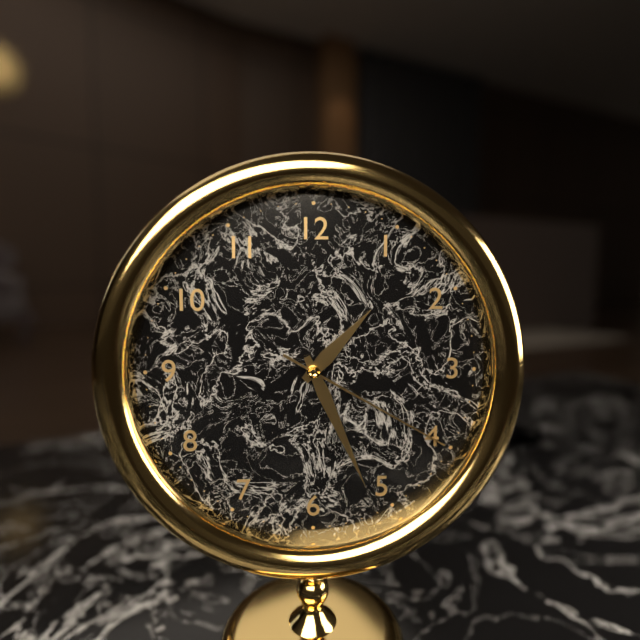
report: 1,26,20
